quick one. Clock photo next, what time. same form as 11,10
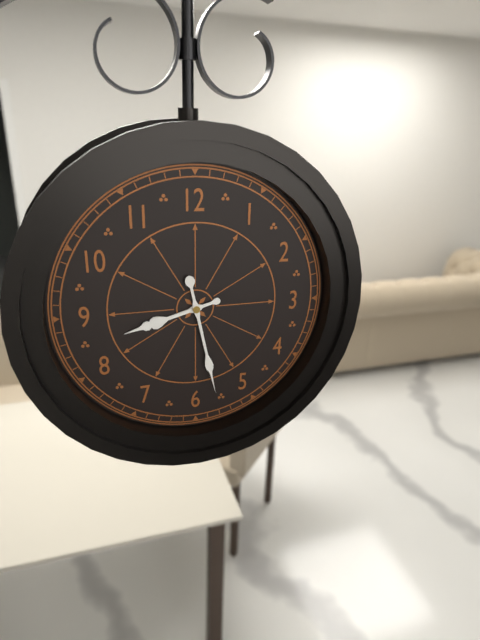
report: 8,28
